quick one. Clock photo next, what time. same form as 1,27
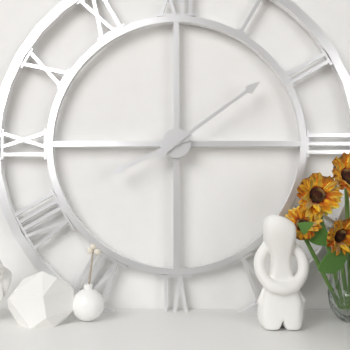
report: 8,09
